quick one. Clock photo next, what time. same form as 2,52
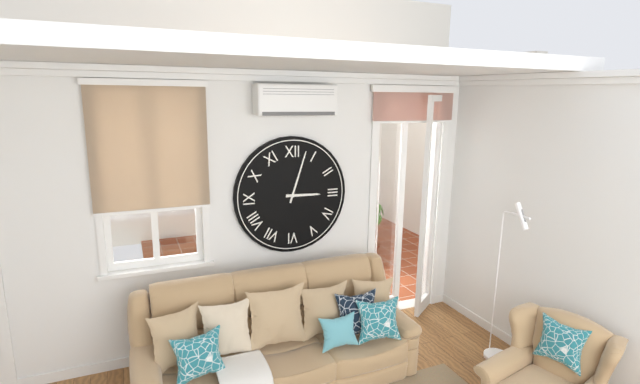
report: 3,03
